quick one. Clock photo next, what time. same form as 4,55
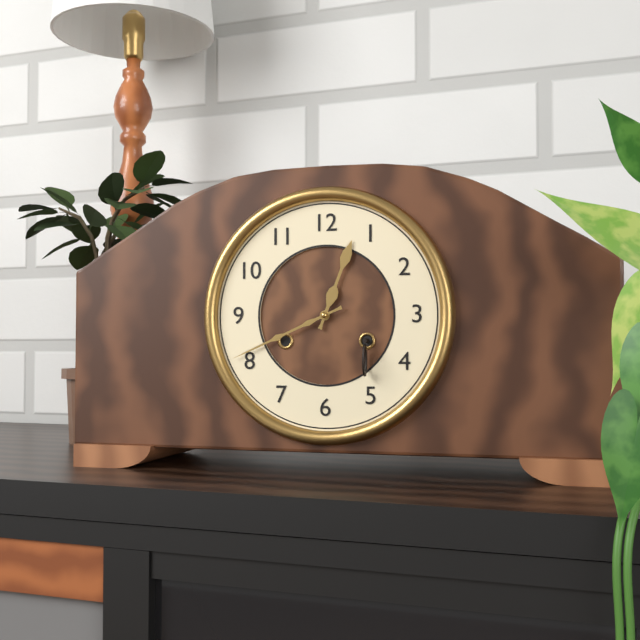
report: 12,41
